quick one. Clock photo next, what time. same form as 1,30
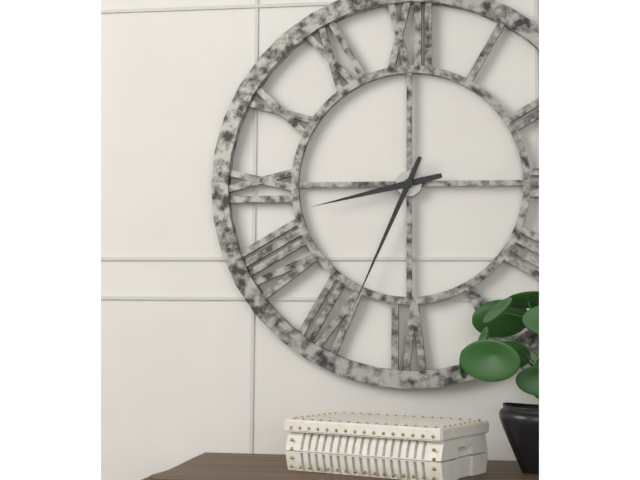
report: 8,34
